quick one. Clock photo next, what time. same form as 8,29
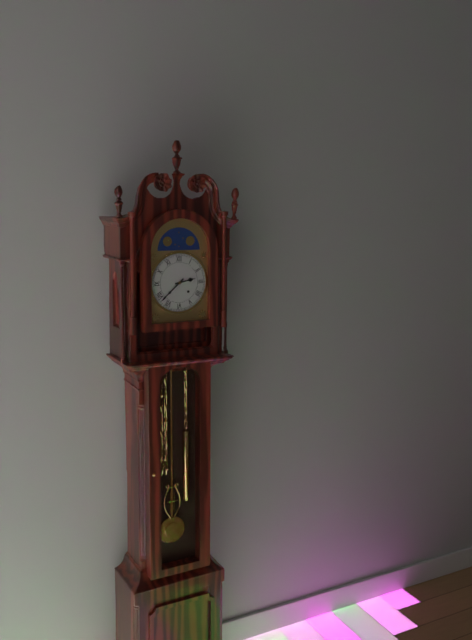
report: 2,38
